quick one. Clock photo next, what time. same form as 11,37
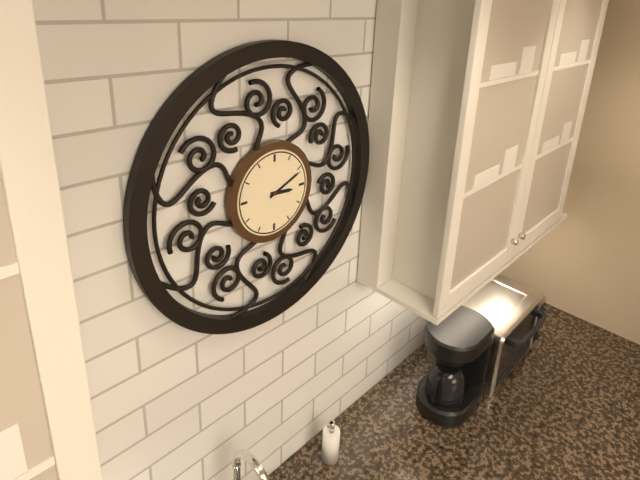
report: 3,11
